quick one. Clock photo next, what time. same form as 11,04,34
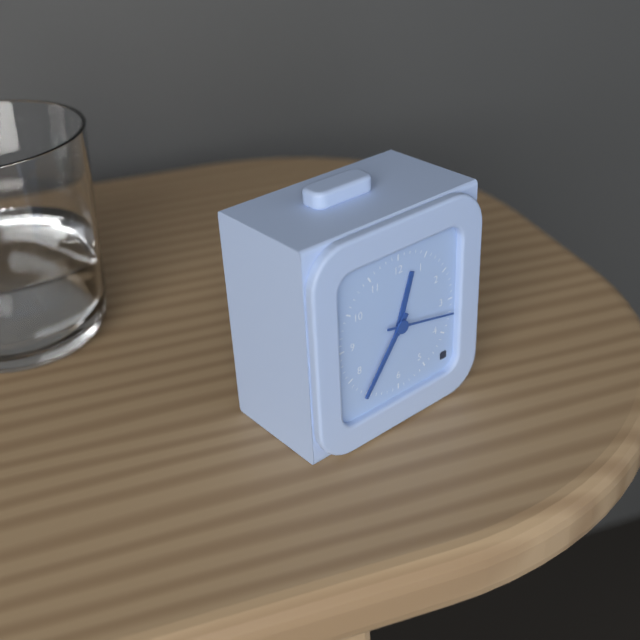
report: 12,36,17
